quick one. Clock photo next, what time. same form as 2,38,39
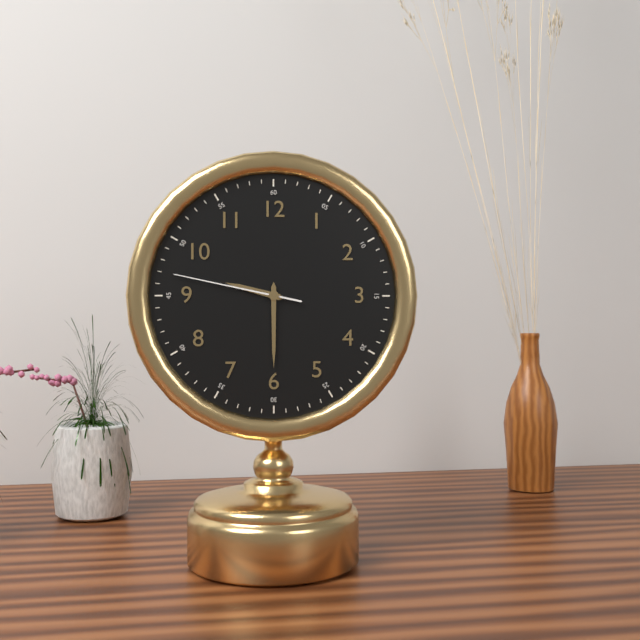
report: 9,30,47
